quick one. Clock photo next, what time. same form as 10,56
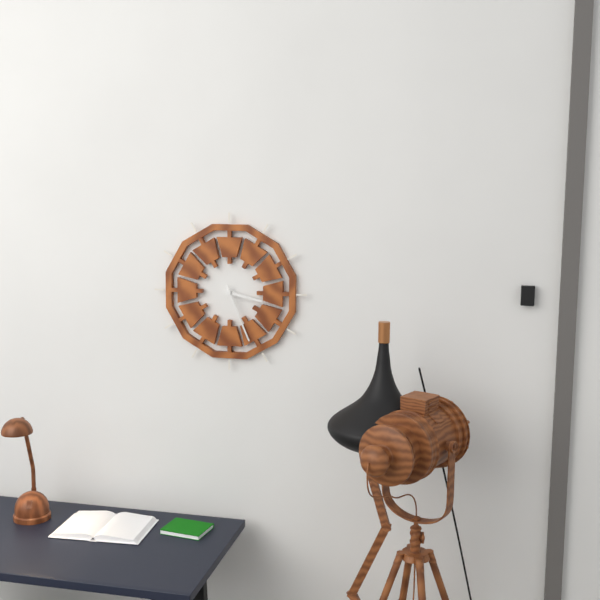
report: 3,26
